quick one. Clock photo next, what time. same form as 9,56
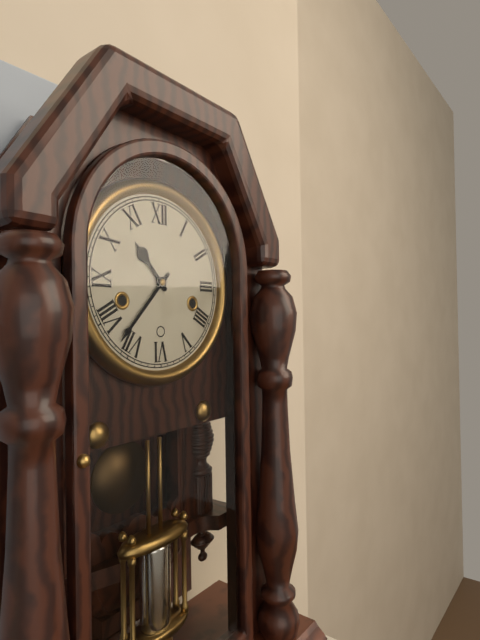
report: 10,37
